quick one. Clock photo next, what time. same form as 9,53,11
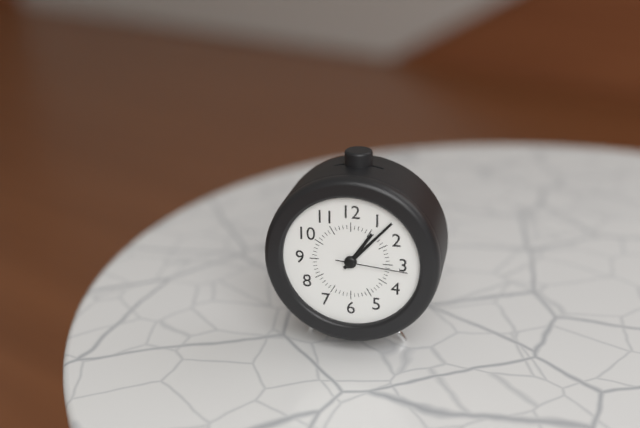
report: 1,07,16
